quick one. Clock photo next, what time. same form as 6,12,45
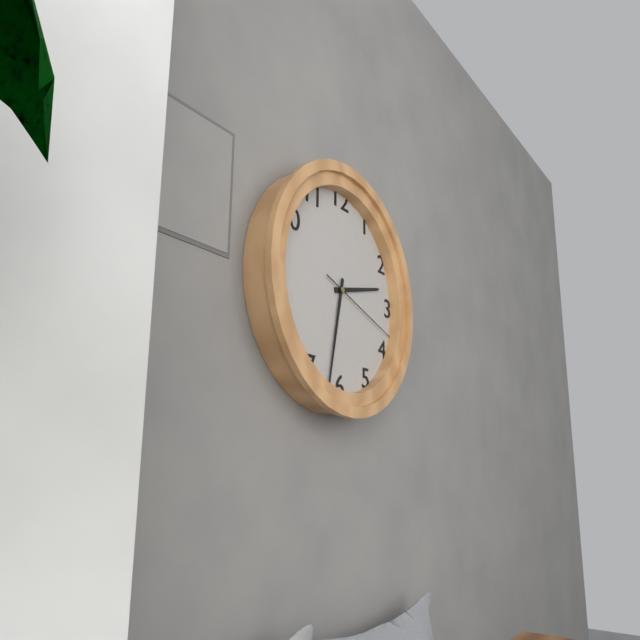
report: 2,32,18
